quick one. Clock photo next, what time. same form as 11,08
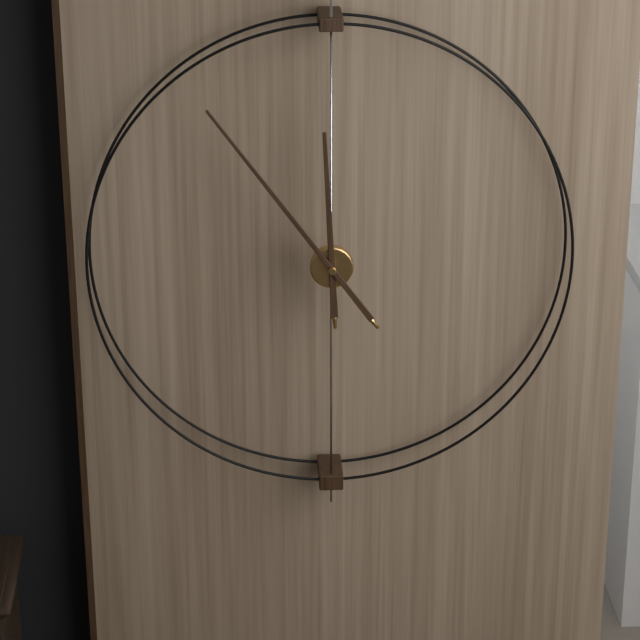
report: 11,54
